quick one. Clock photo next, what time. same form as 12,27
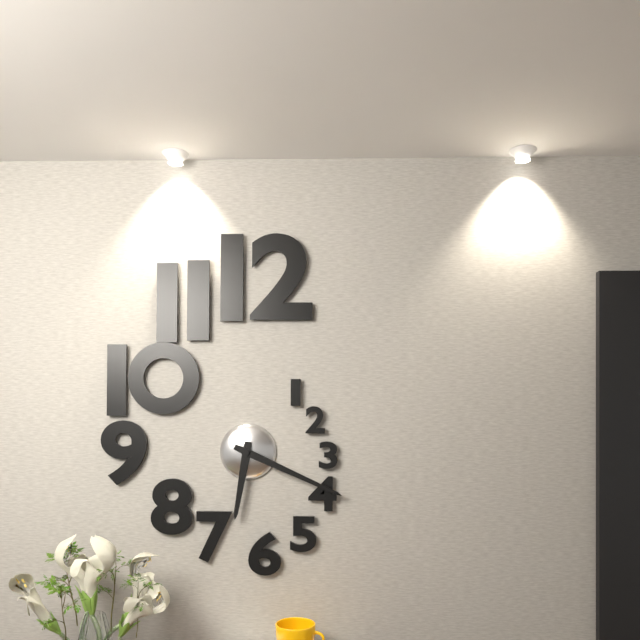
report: 6,19
